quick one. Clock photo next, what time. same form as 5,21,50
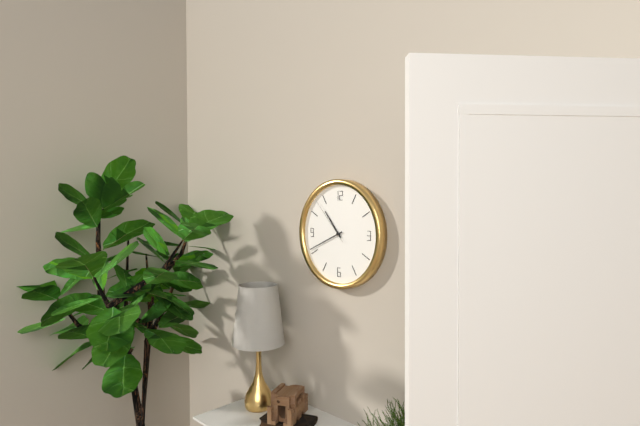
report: 10,41,53
